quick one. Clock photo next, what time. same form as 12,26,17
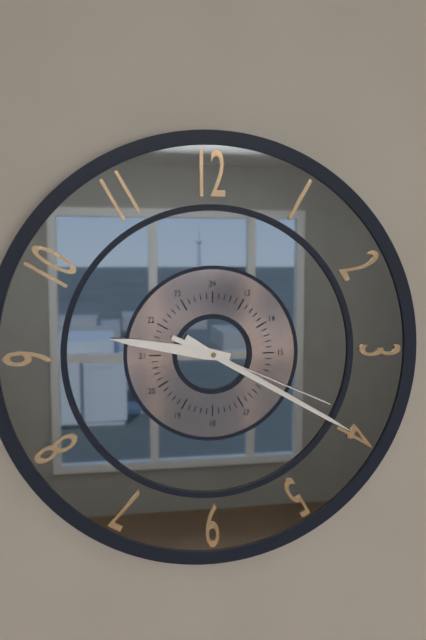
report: 9,20,19
